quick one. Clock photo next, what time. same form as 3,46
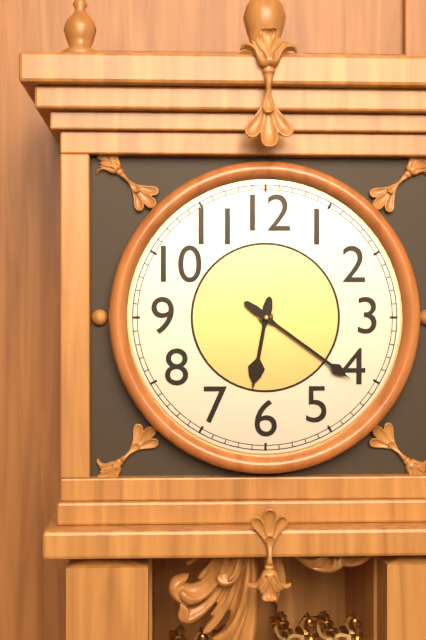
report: 6,21
